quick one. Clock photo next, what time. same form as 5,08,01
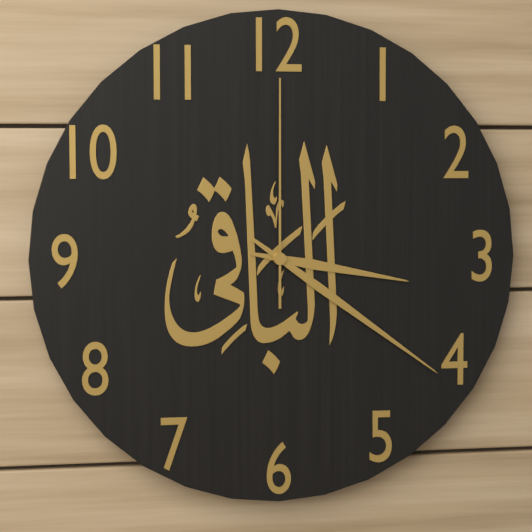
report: 3,21,00
